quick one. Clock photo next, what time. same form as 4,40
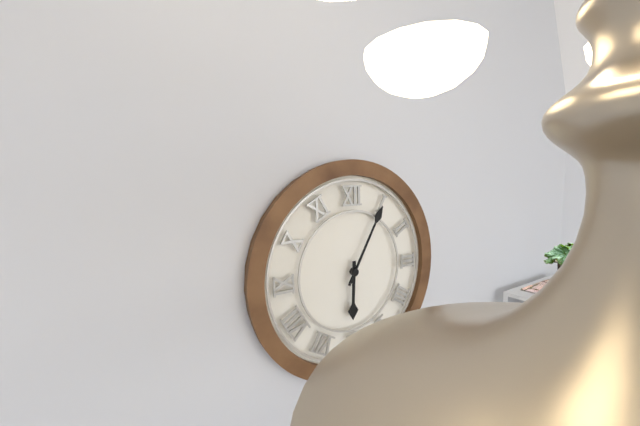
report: 6,05
